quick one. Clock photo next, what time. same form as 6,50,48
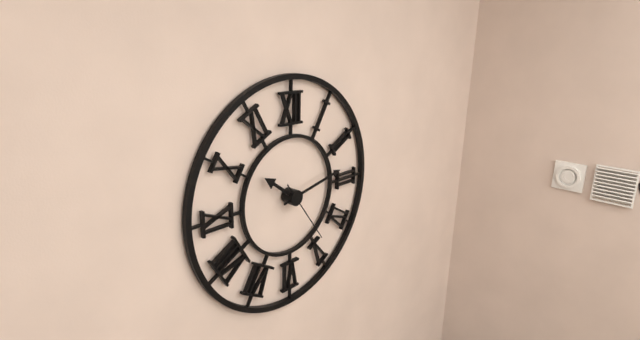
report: 10,13,24
